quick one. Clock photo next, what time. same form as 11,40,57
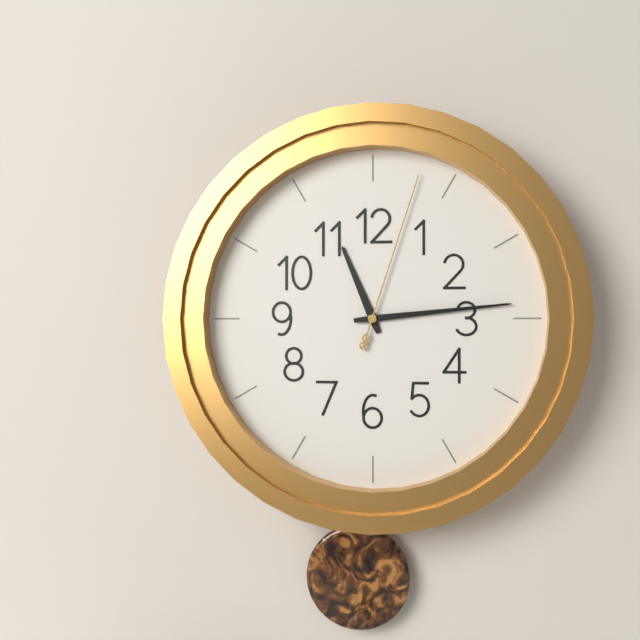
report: 11,14,03
